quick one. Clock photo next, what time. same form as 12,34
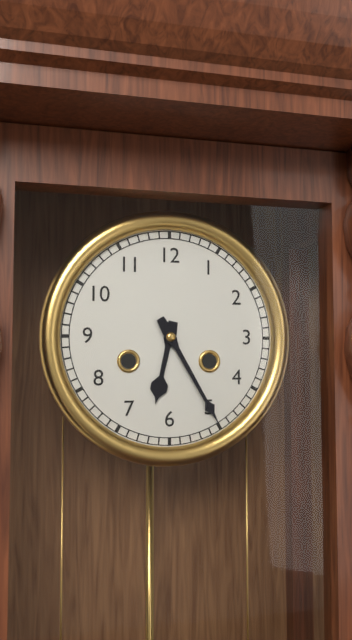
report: 6,25
